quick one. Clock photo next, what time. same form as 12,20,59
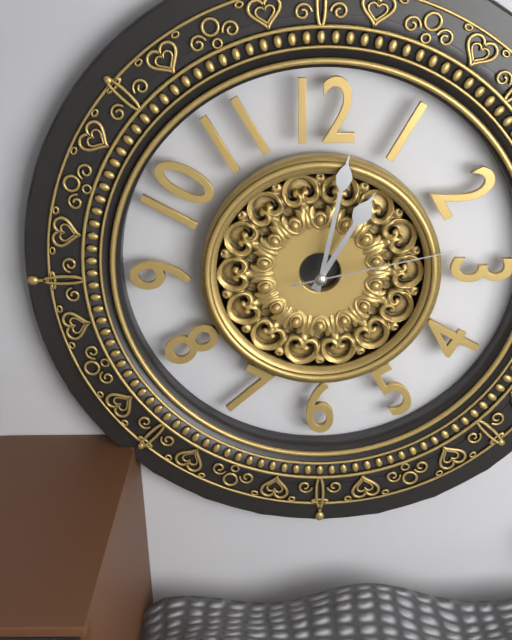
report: 1,02,13
